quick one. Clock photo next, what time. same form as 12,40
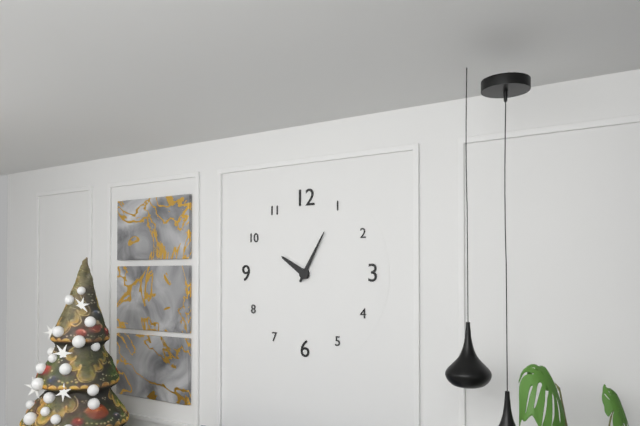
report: 10,05
